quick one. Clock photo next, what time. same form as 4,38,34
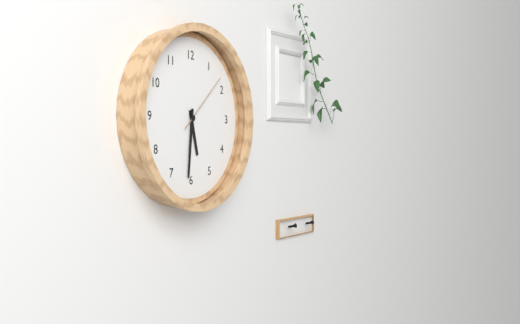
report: 5,31,08
